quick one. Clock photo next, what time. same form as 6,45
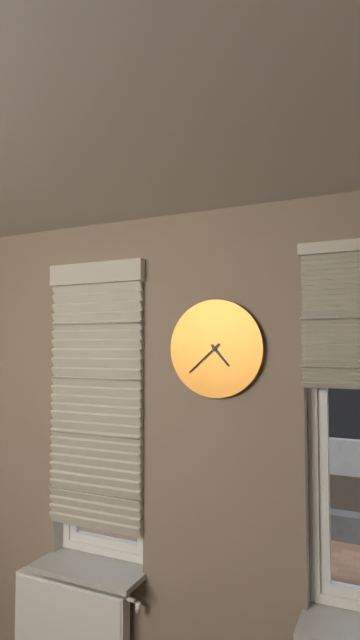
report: 4,38
